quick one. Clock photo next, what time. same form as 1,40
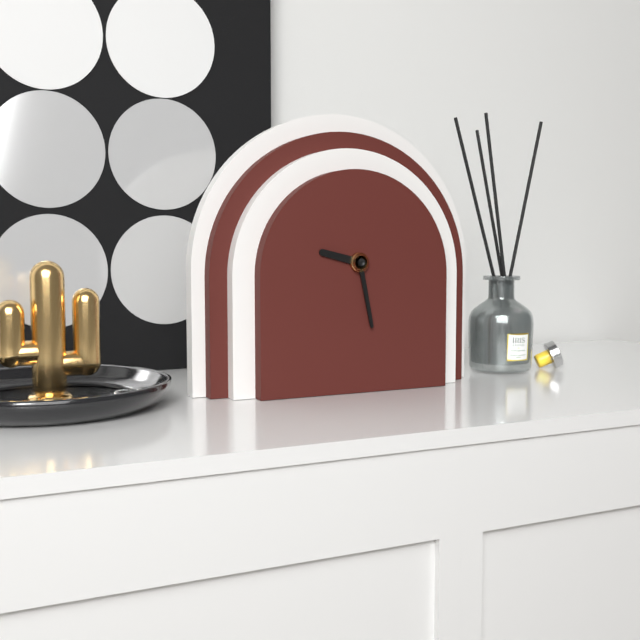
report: 9,28
